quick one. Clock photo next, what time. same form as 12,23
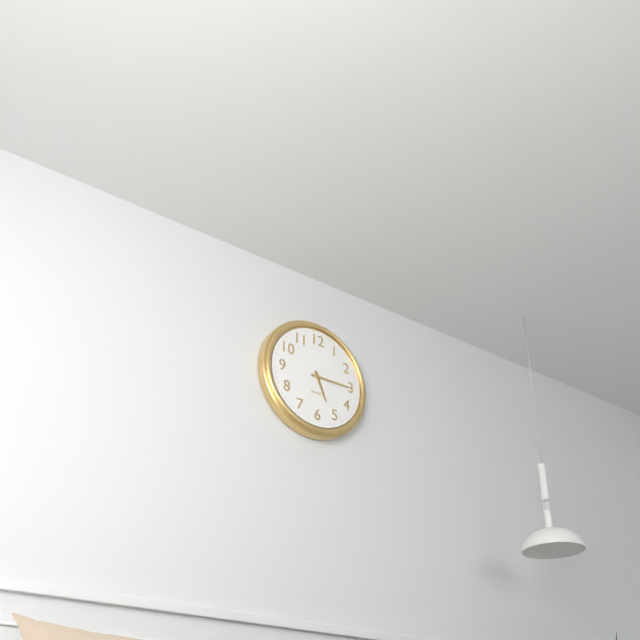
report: 5,15
